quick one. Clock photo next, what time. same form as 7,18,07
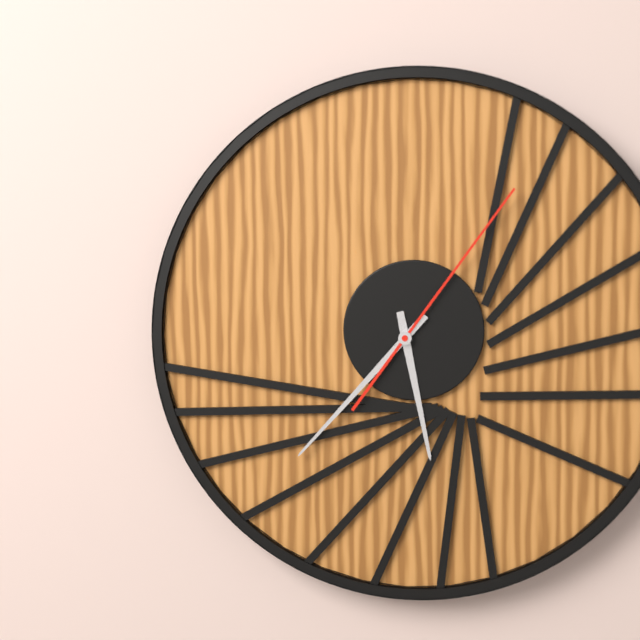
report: 5,37,06
